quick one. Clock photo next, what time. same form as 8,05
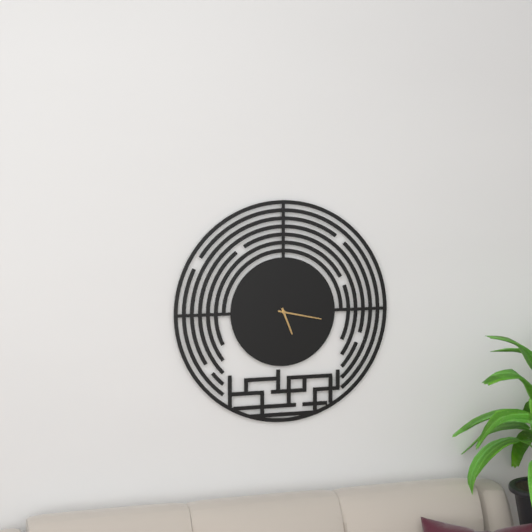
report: 5,17
